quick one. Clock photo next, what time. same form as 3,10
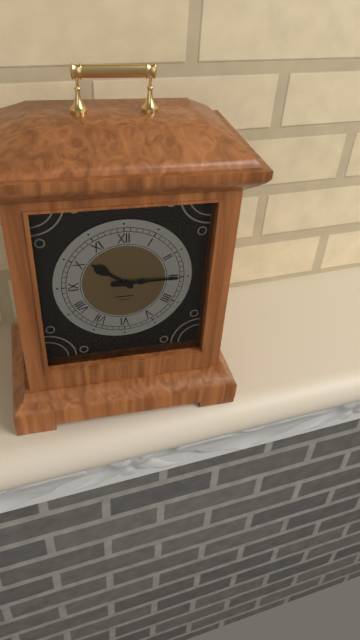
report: 10,15
